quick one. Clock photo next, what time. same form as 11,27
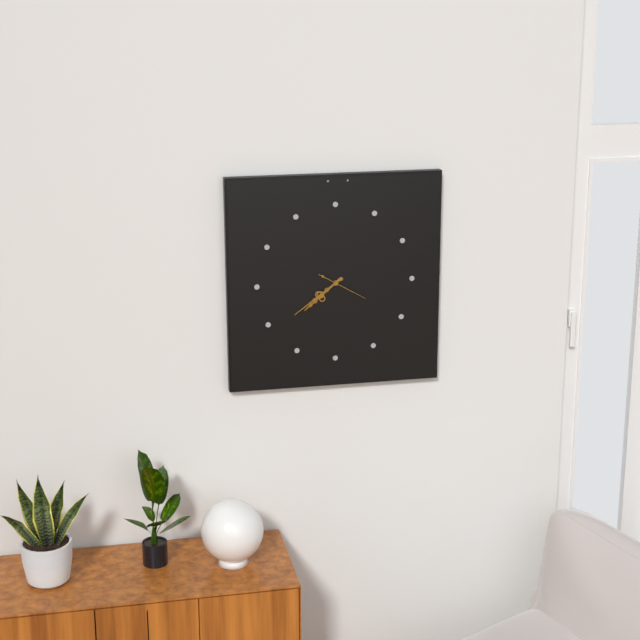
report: 7,39
